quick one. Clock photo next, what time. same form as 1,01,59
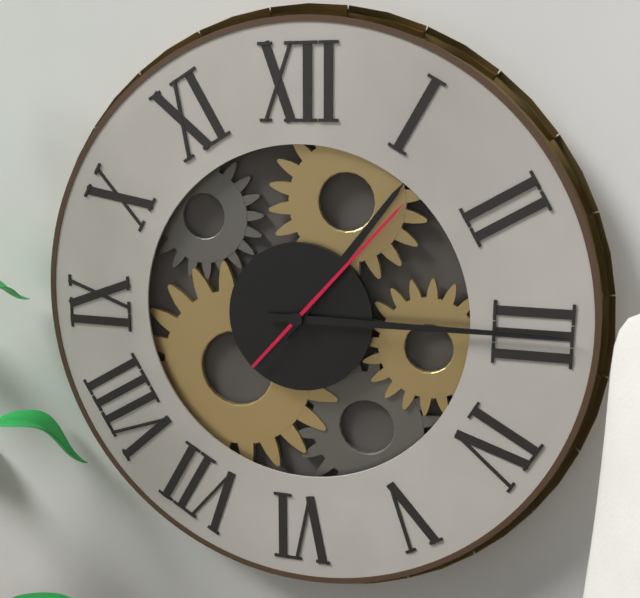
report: 1,15,07
